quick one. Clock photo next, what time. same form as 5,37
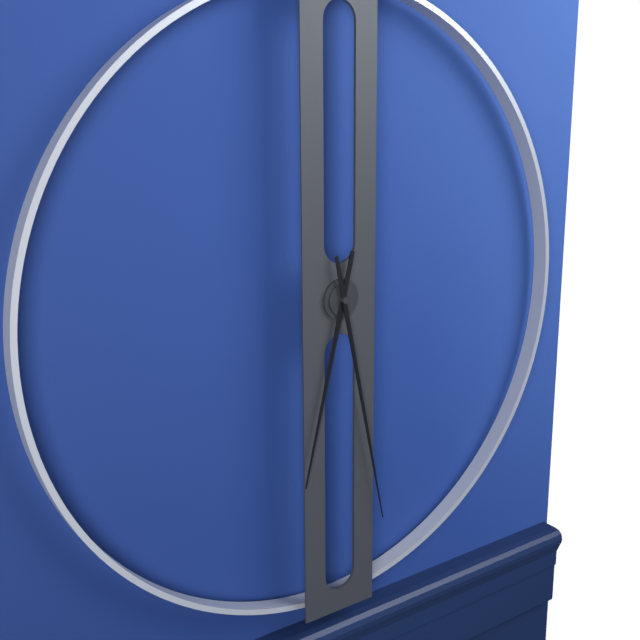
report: 6,28
